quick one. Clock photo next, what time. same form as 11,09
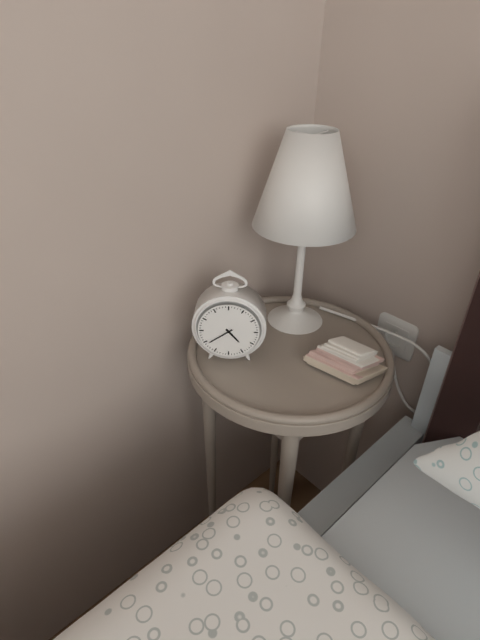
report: 4,39
